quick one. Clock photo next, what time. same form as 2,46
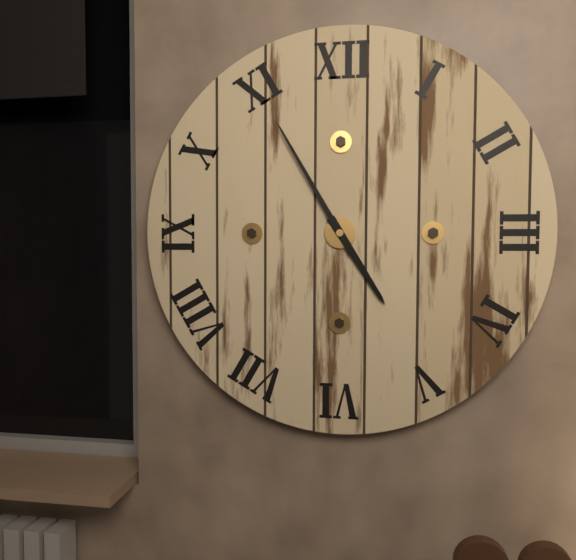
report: 4,55
